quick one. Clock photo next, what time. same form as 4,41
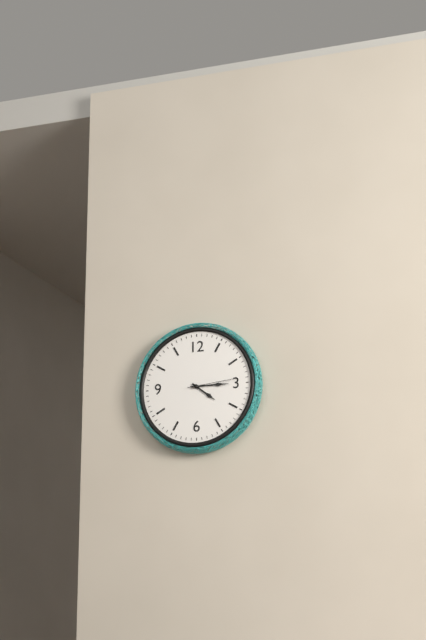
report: 4,15
